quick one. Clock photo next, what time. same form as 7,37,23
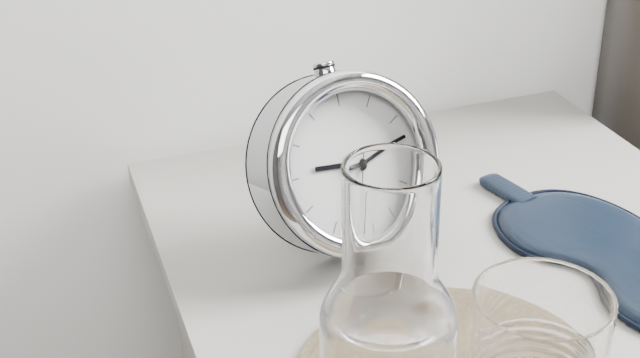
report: 9,13,33
